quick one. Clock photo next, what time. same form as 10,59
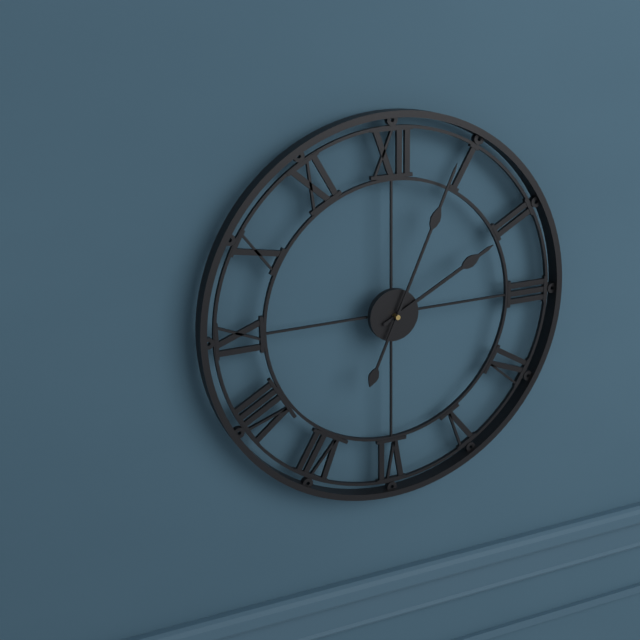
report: 2,04
